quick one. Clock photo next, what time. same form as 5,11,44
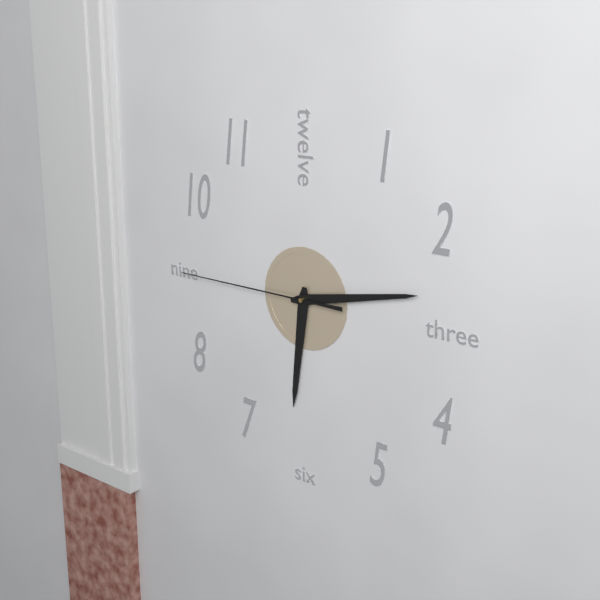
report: 6,13,45
